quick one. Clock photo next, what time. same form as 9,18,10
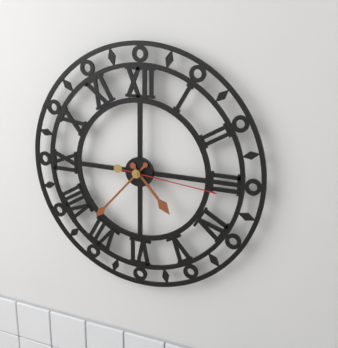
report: 4,37,16
